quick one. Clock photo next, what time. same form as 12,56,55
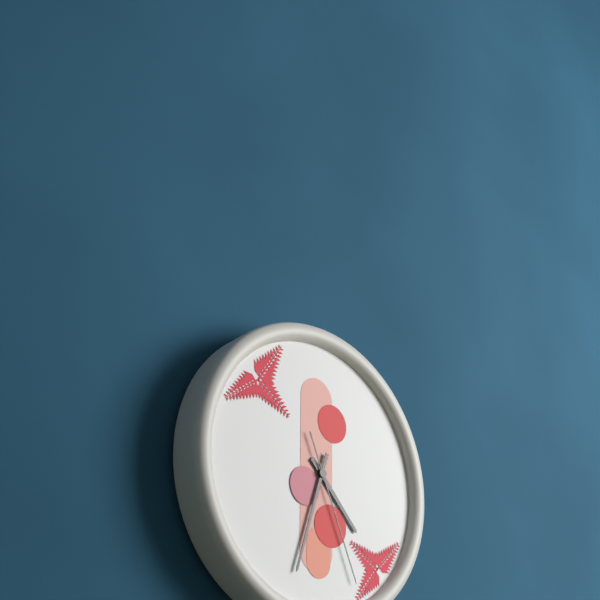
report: 4,33,26
